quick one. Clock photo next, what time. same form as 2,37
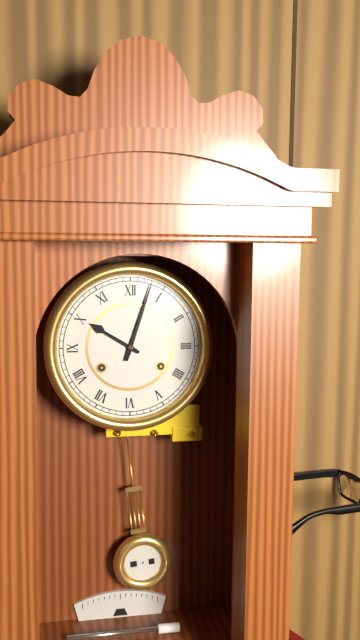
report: 10,03
